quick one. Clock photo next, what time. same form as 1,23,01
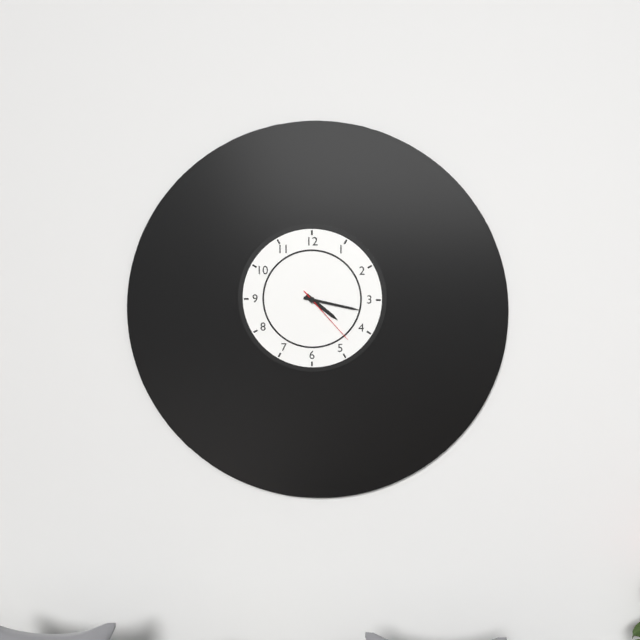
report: 4,17,23
